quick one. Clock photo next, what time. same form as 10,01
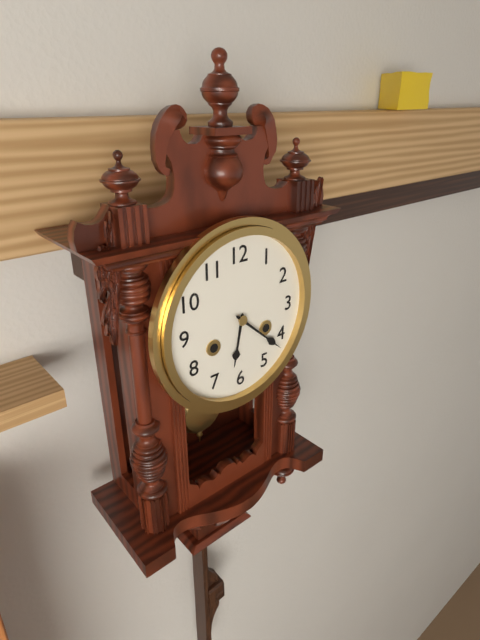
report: 6,22
